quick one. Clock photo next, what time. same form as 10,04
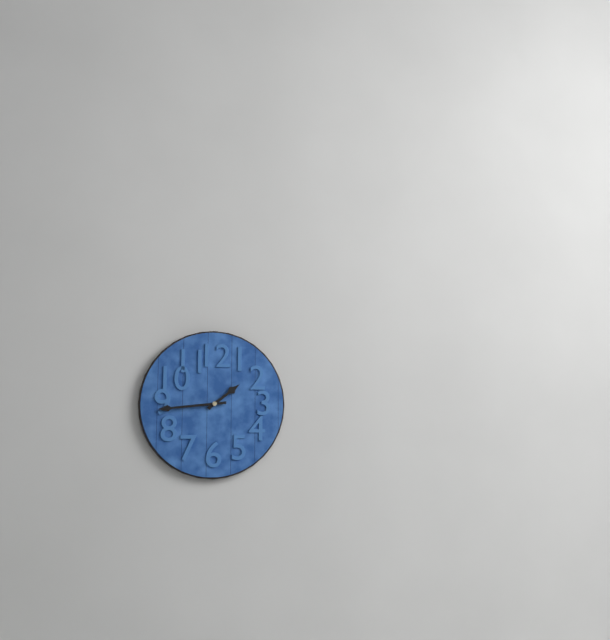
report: 1,44
